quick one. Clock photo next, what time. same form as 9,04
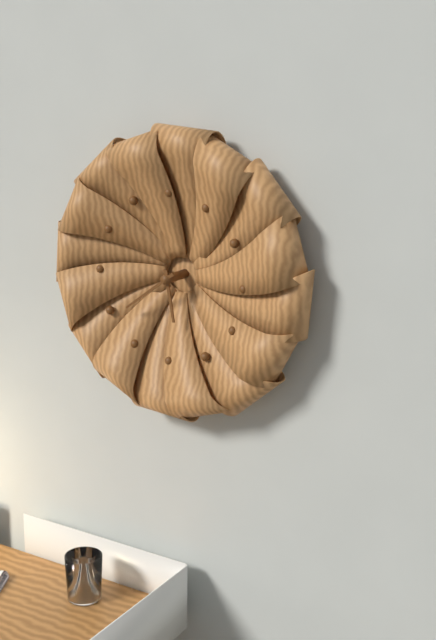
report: 5,39
